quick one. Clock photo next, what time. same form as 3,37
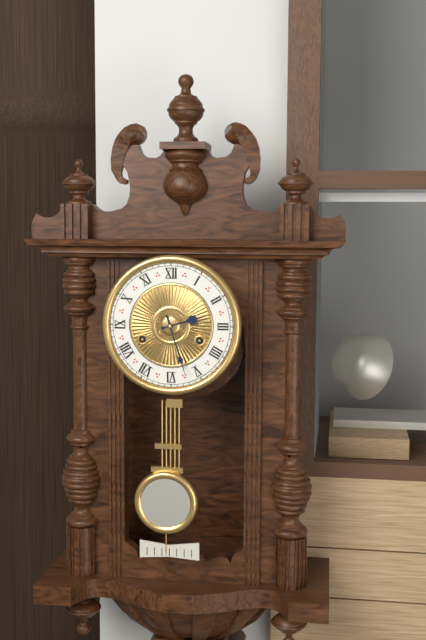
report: 2,27
